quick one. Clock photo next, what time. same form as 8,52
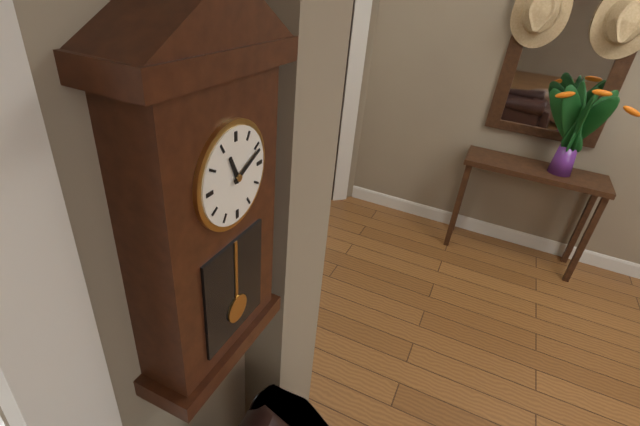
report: 11,11
